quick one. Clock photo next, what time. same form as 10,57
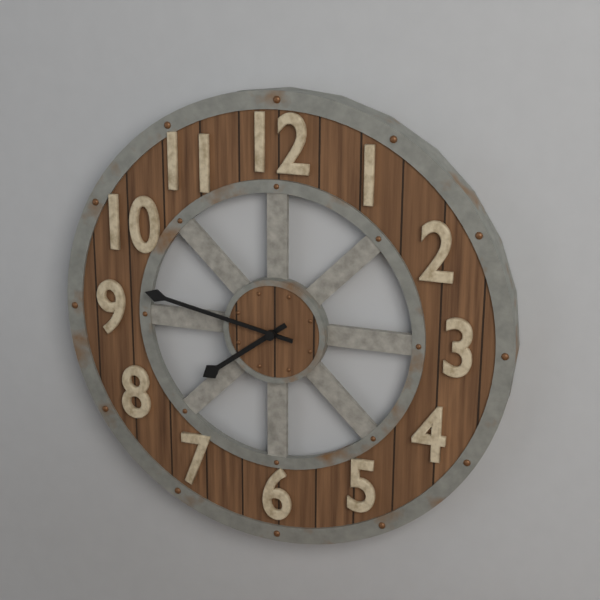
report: 7,47
